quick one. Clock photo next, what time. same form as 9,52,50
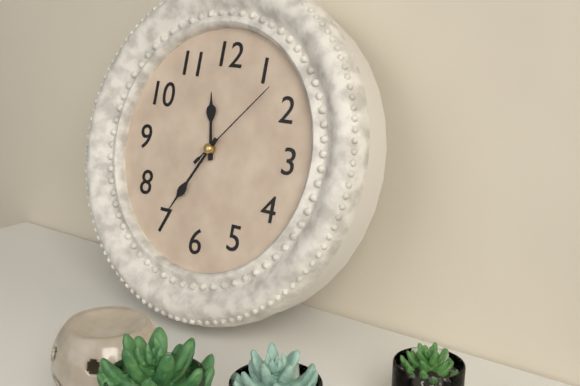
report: 11,35,07
